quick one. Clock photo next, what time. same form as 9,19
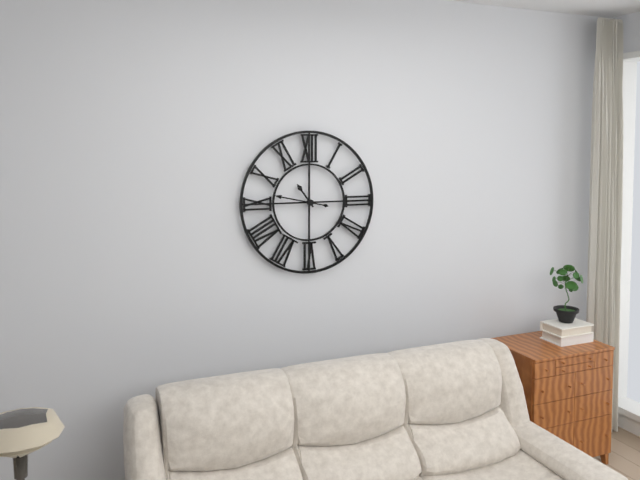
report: 10,47
